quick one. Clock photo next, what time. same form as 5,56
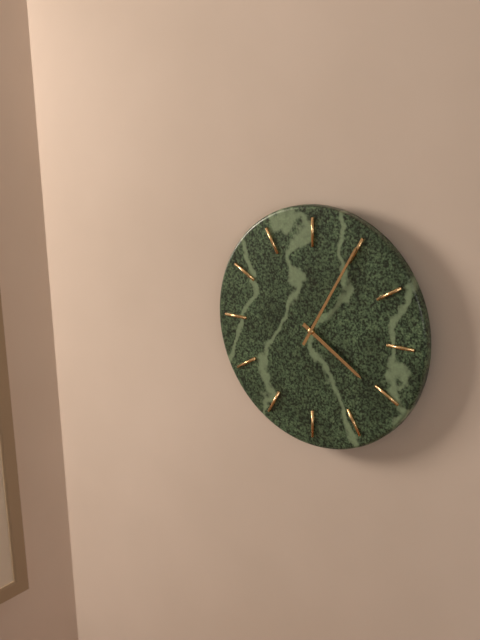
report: 4,05
